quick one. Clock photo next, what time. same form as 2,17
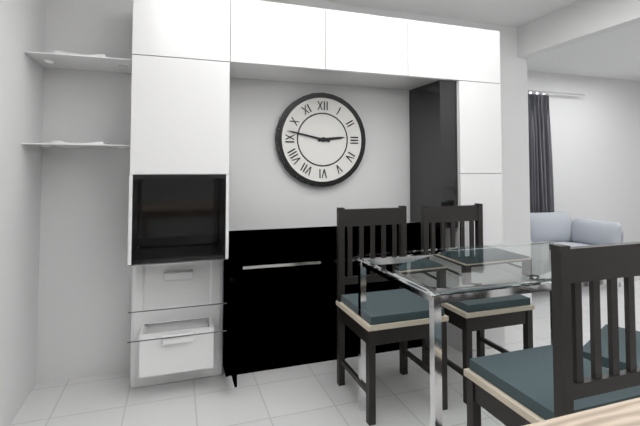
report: 2,47
